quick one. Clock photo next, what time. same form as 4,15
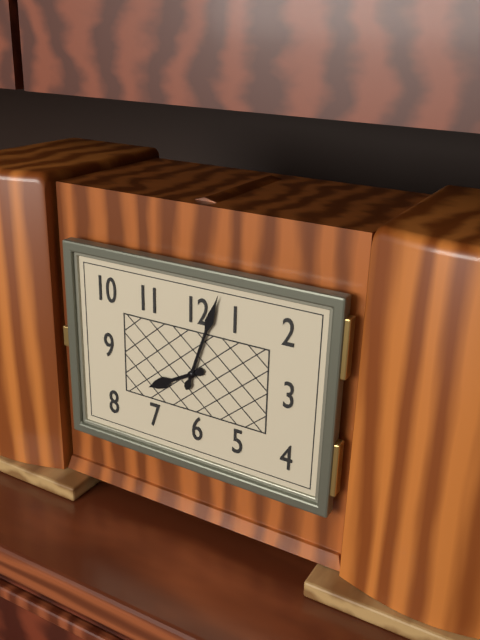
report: 8,03
